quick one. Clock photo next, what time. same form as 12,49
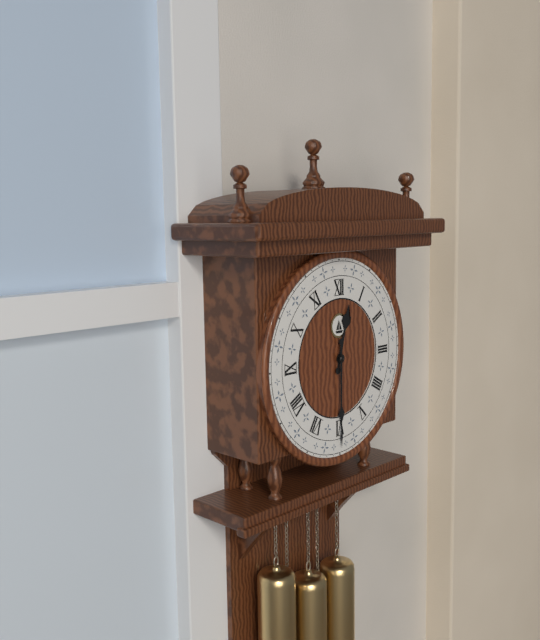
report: 12,30
